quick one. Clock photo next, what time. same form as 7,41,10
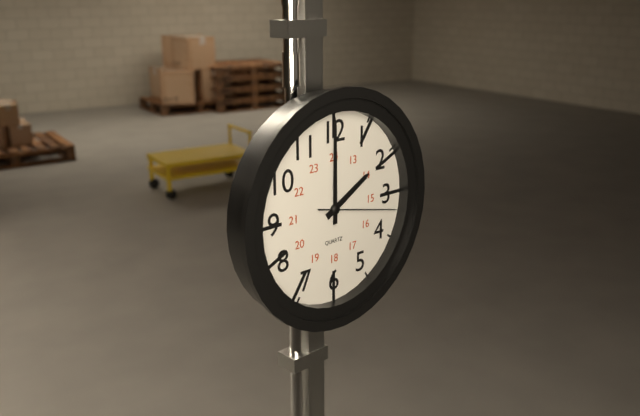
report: 2,00,17
